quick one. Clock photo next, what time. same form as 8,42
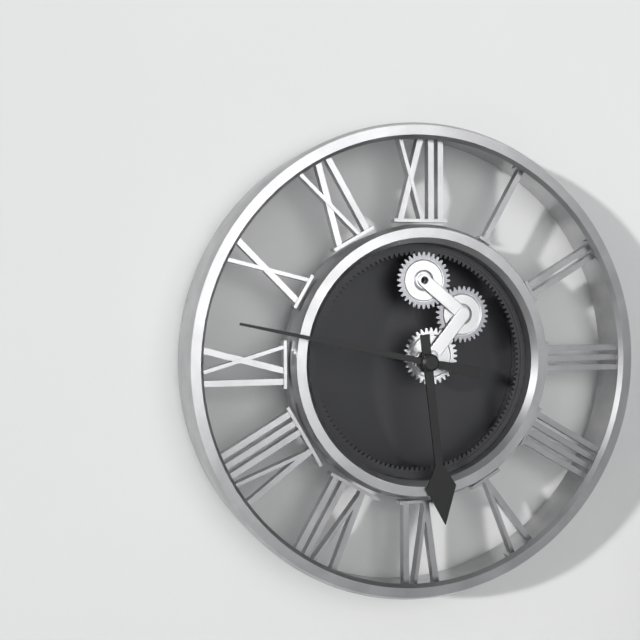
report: 5,47
